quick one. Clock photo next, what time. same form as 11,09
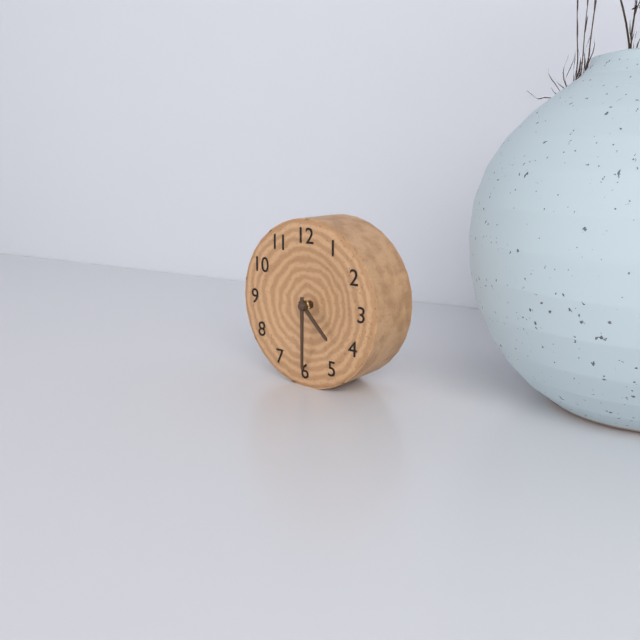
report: 4,30
